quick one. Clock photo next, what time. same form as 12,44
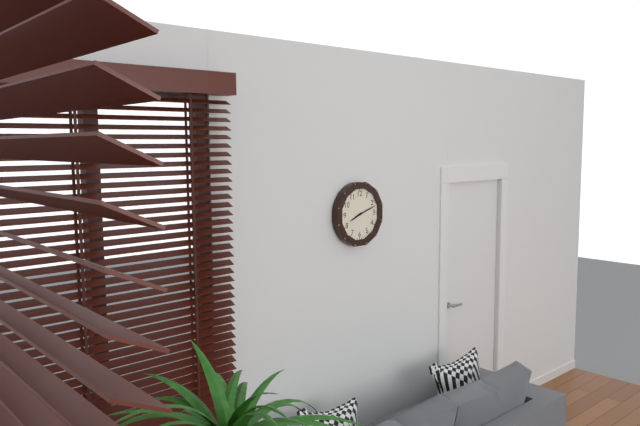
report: 8,12
